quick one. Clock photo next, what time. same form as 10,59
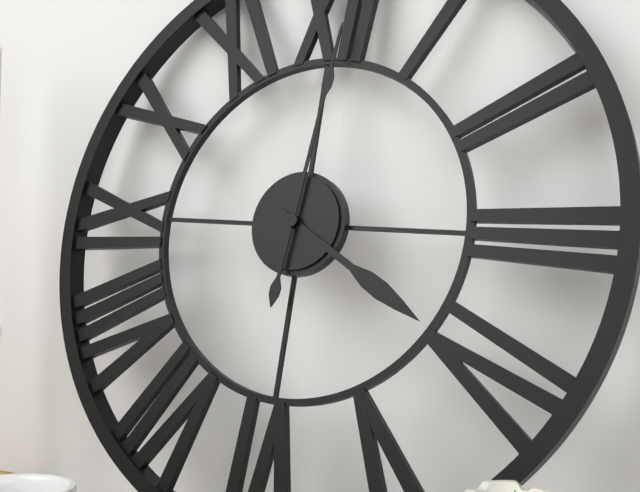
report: 4,01
